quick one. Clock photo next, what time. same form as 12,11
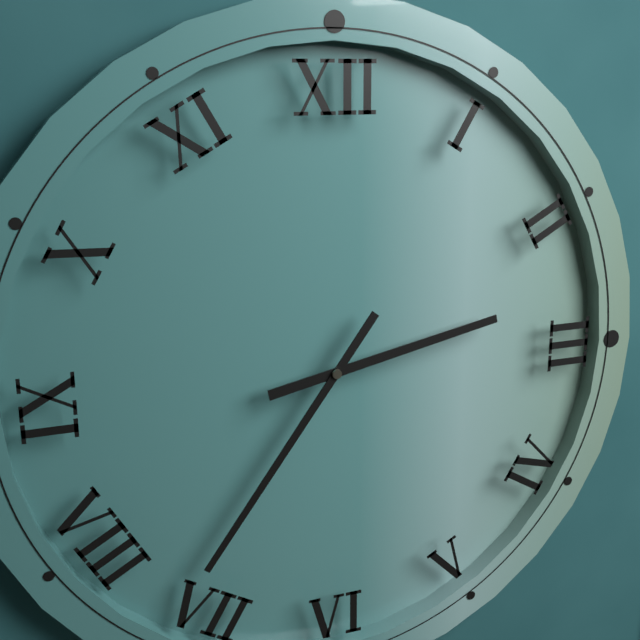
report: 2,36
